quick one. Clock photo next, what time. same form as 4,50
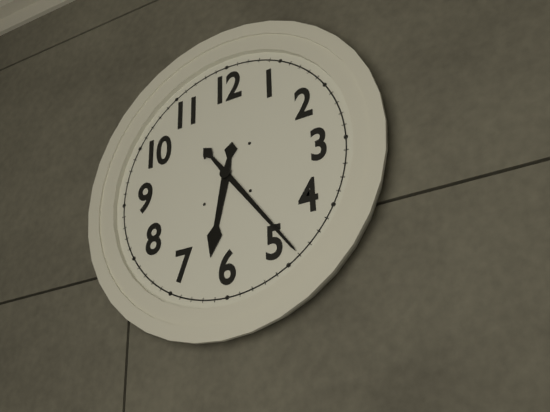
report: 6,24
